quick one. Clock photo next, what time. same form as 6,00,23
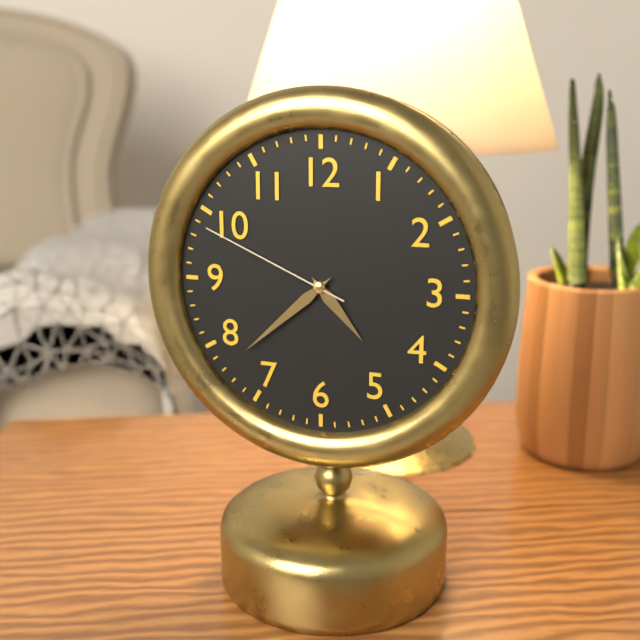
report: 4,38,49
